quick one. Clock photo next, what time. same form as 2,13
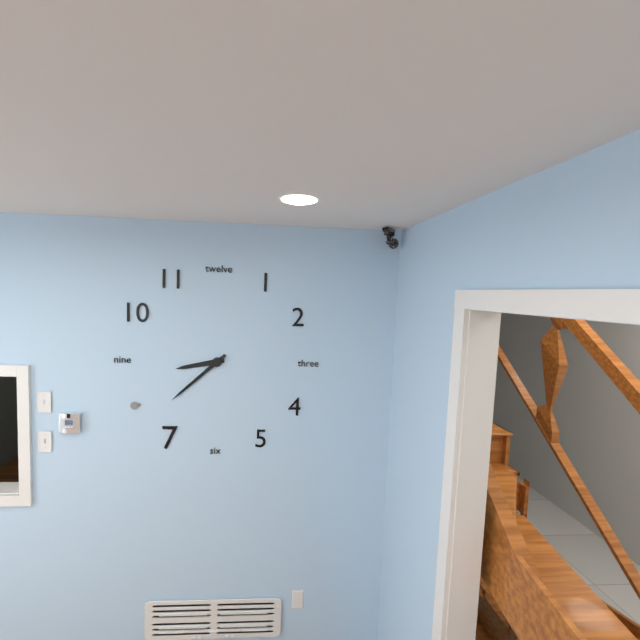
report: 8,38
